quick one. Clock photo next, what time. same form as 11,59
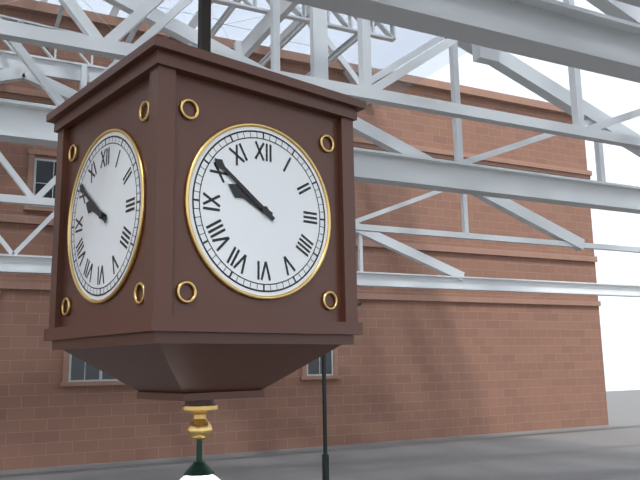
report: 9,51
